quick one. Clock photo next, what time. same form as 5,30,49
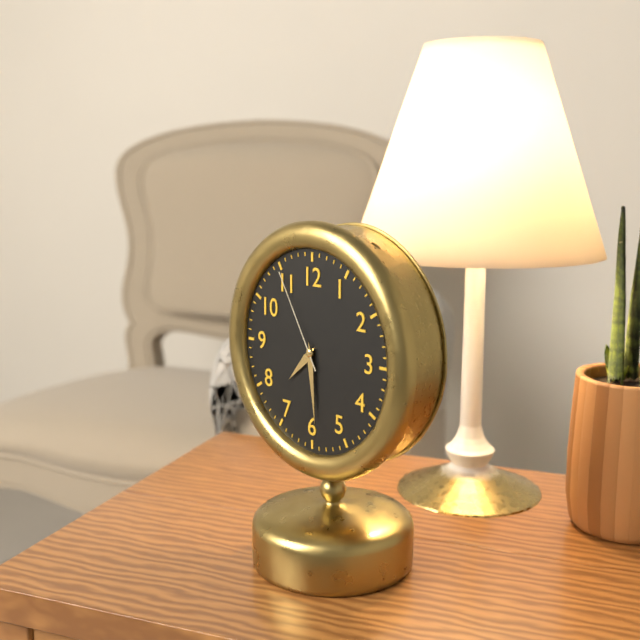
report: 7,29,55
